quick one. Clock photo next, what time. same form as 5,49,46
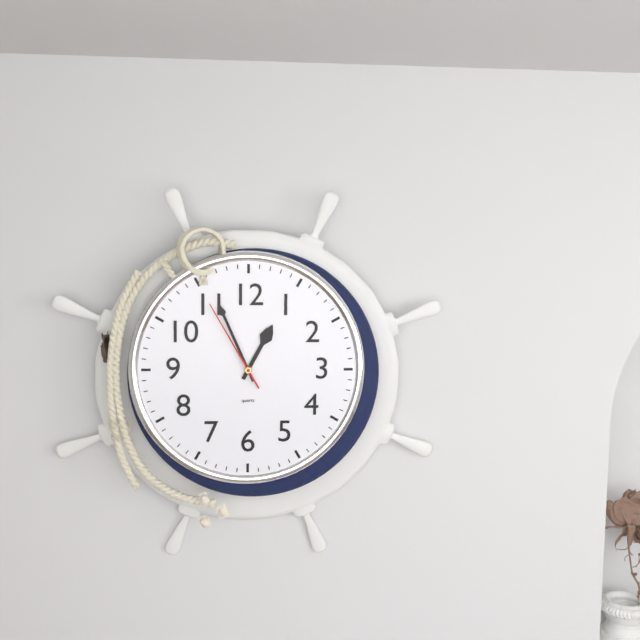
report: 12,56,55
